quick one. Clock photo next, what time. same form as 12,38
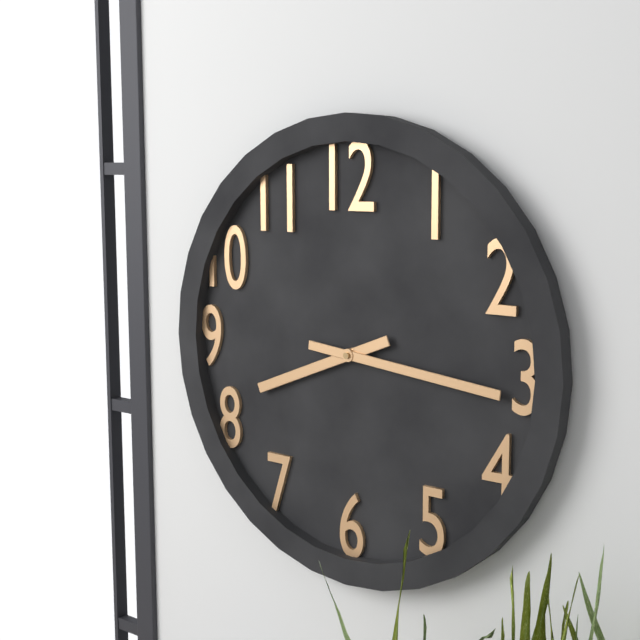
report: 8,16
